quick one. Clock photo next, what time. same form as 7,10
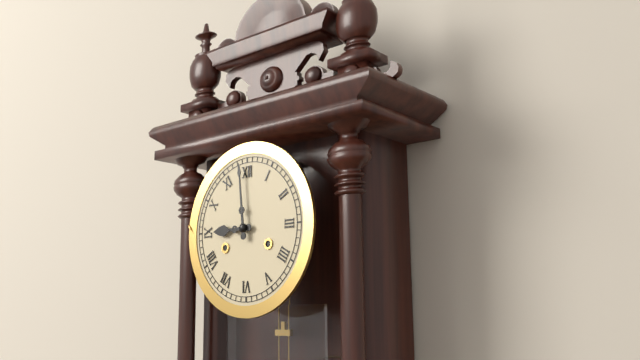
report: 8,59
